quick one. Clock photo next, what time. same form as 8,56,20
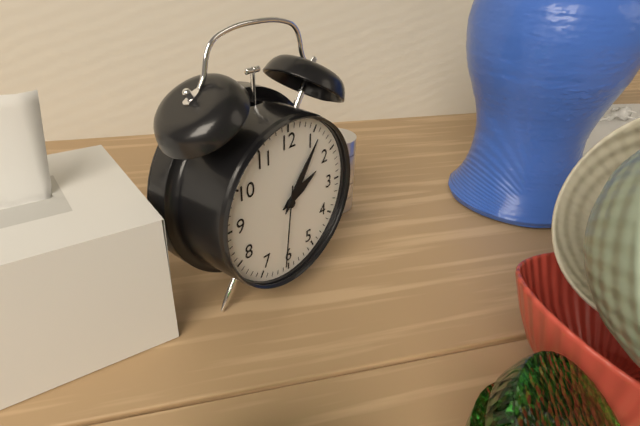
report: 2,06,31
